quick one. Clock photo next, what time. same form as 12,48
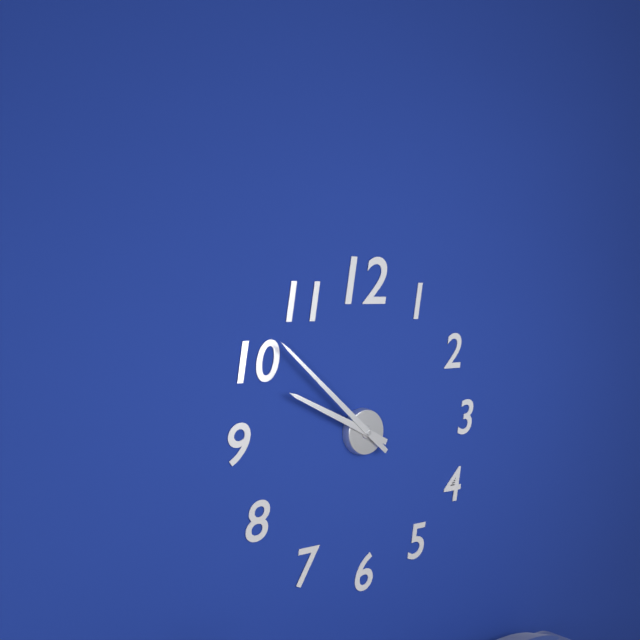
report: 9,52
